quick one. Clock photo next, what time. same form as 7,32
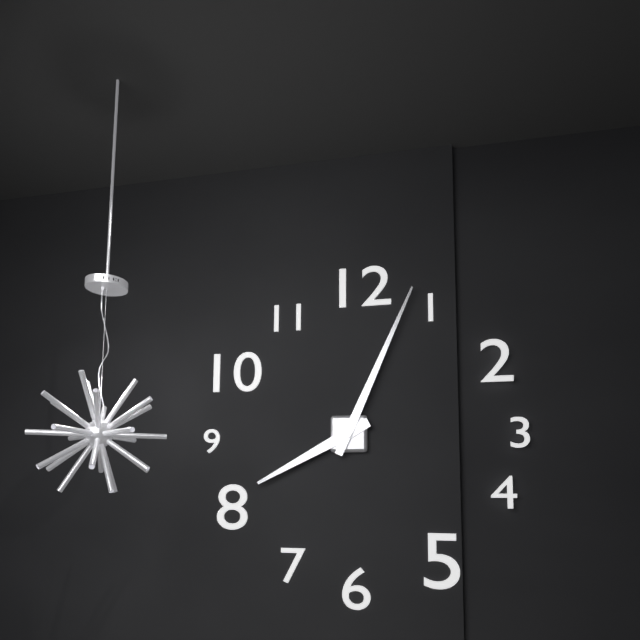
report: 8,04
